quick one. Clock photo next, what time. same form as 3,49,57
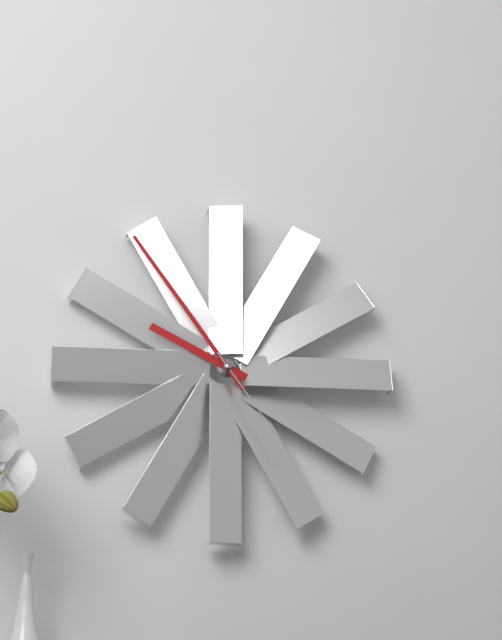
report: 9,54,24
